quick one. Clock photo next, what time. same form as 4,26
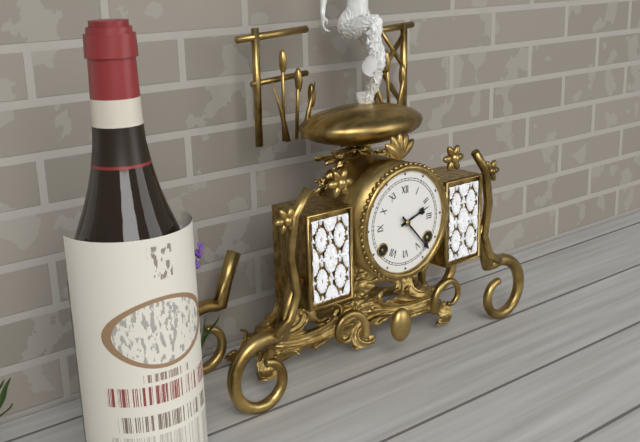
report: 2,23
